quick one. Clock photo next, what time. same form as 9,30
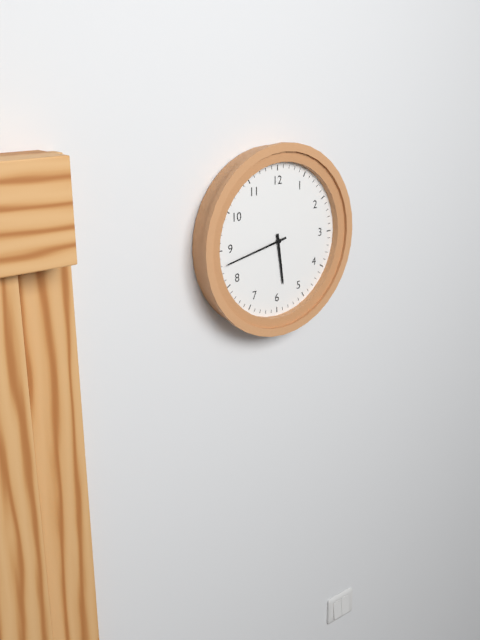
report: 5,43
